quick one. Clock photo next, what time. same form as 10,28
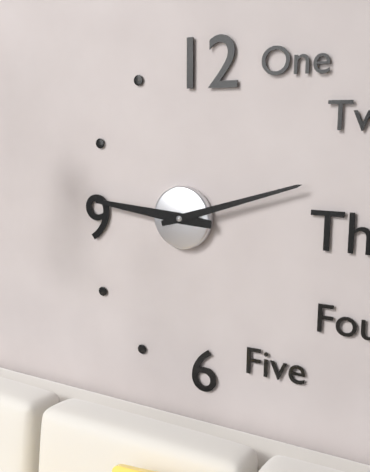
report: 9,12
